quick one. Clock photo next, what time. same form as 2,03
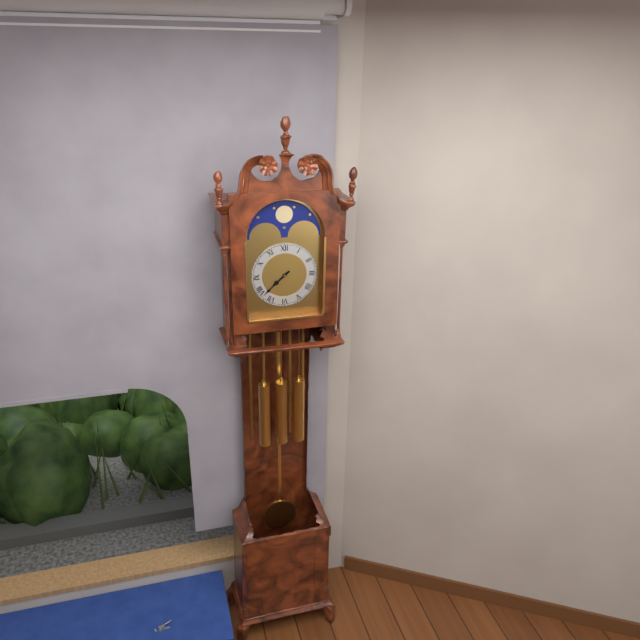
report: 7,38
